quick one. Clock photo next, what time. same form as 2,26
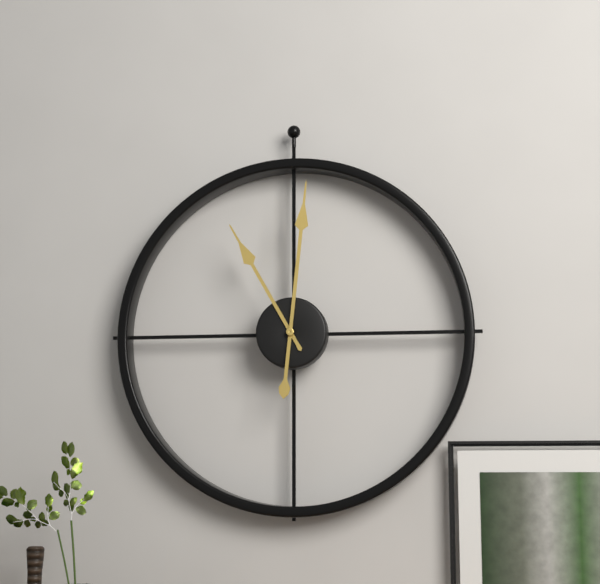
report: 11,01
